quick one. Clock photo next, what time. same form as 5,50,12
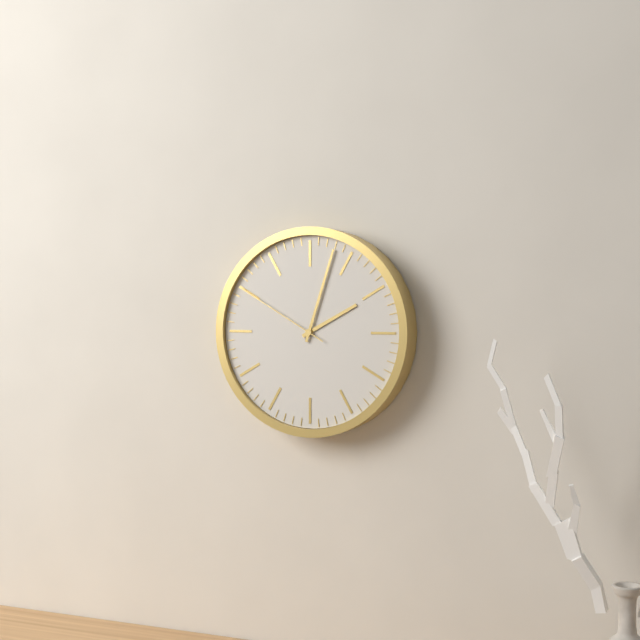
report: 2,03,50
